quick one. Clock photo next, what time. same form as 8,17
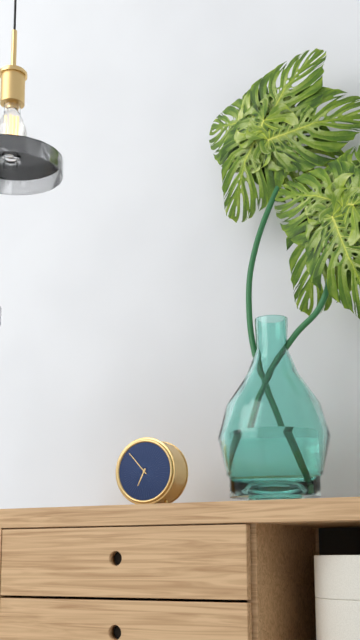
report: 6,53
